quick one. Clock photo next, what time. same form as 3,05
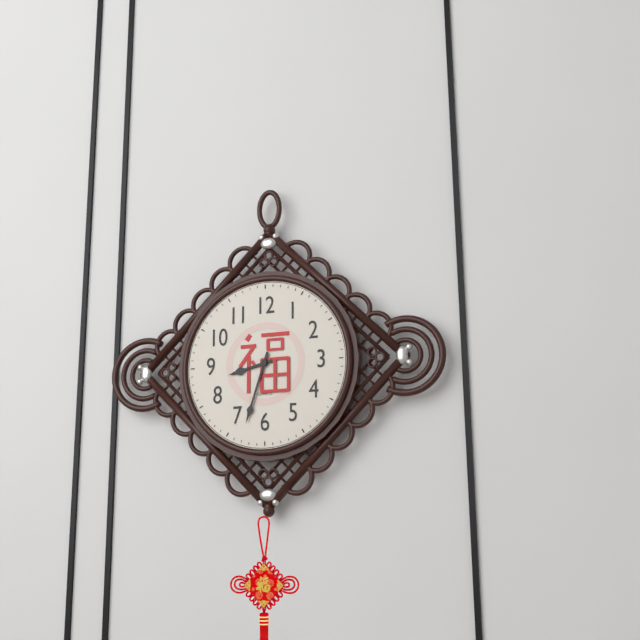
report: 8,33
